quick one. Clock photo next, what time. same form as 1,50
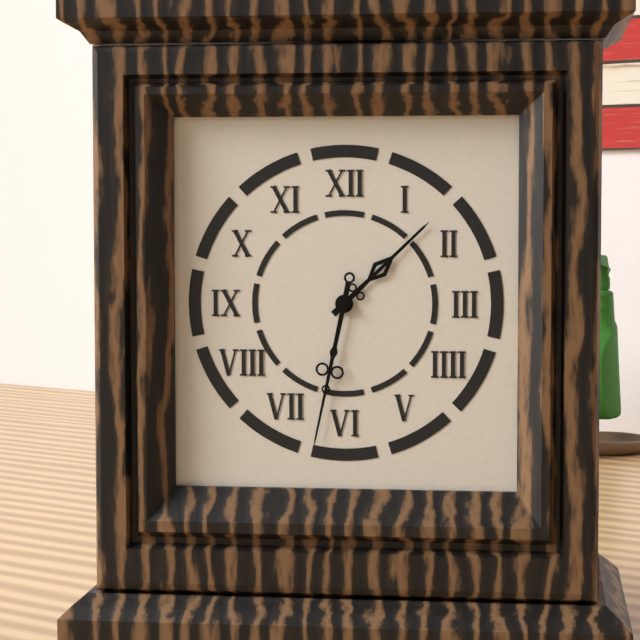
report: 1,32
